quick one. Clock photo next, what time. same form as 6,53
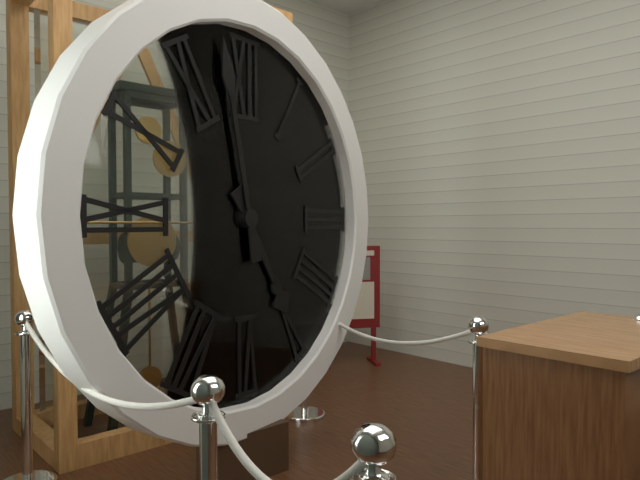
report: 4,58
